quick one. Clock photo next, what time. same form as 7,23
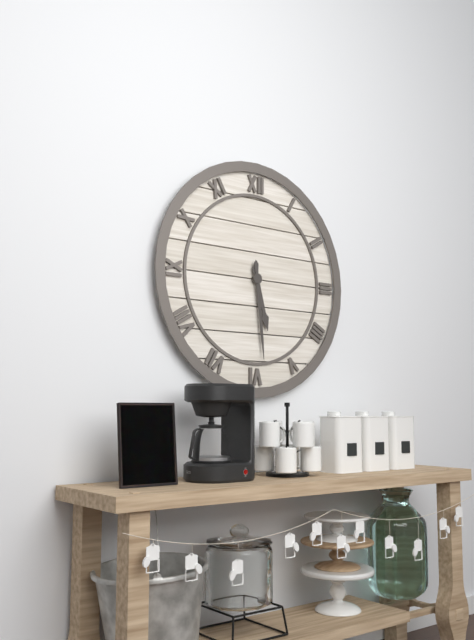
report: 5,29
